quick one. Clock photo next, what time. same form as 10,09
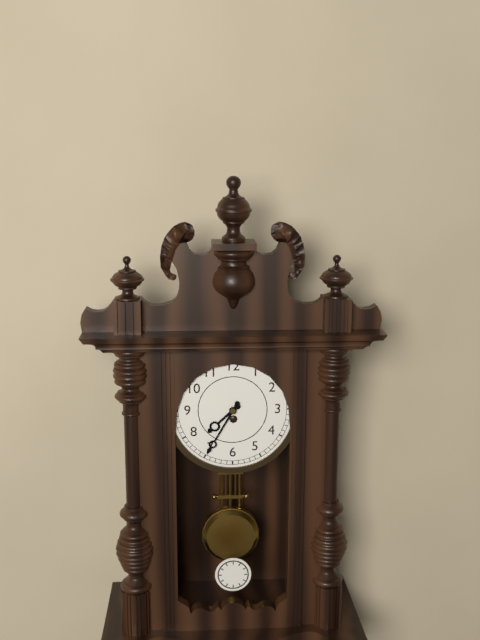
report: 7,35
